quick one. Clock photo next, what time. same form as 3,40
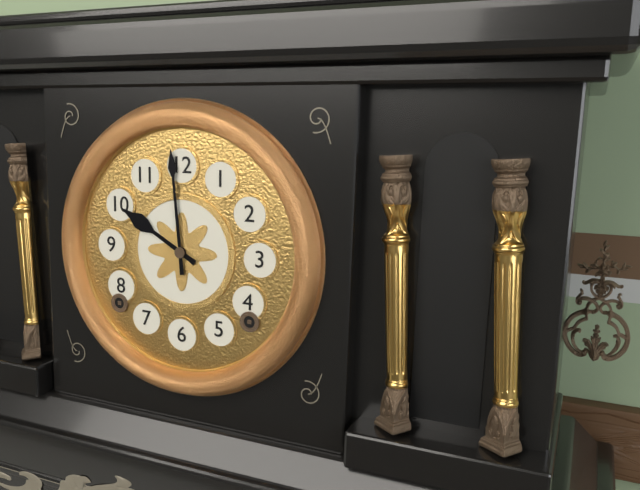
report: 9,59
